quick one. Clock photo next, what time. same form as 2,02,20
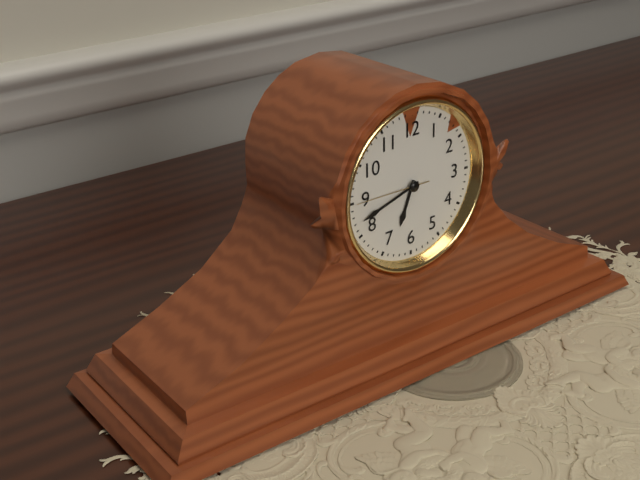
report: 6,42,45
